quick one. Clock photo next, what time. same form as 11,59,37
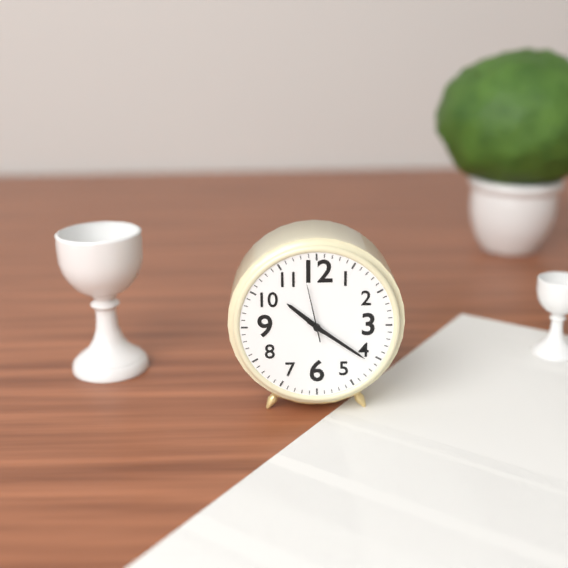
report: 10,21,58
